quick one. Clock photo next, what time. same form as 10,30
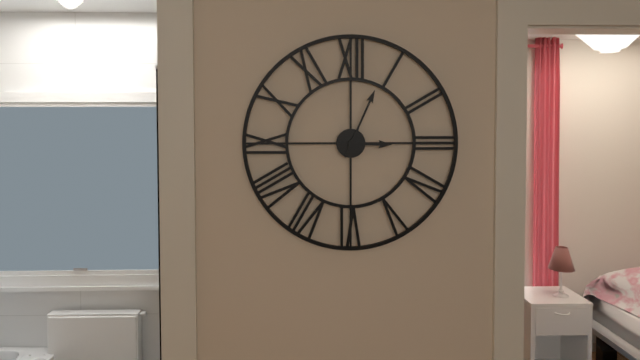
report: 3,04
